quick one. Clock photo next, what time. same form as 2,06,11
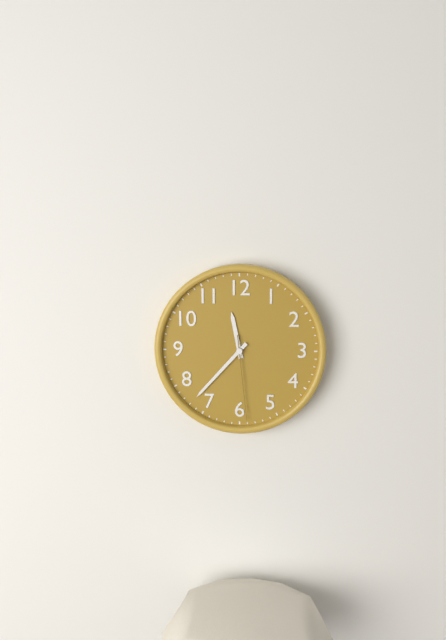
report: 11,37,29
